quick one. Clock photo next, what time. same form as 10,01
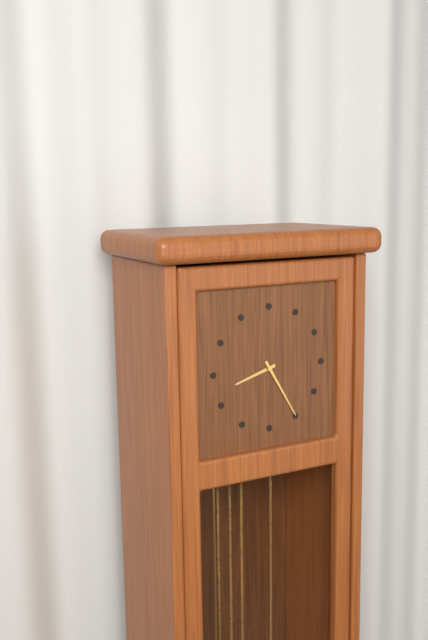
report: 8,25
